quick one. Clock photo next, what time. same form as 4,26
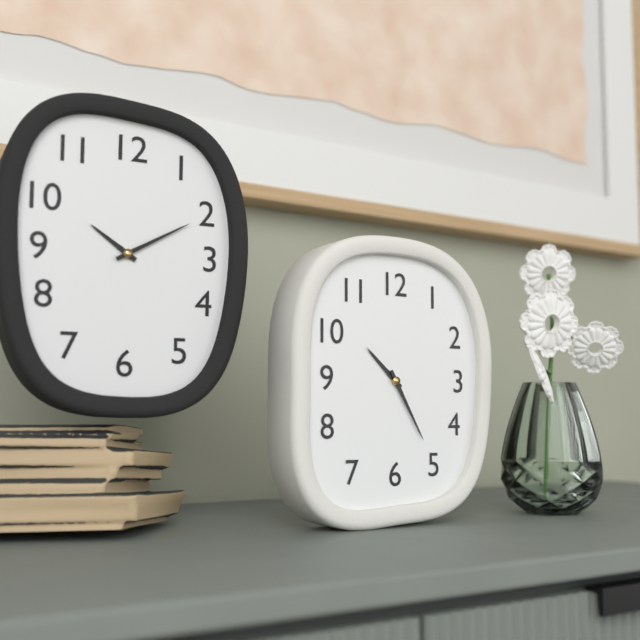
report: 10,25
